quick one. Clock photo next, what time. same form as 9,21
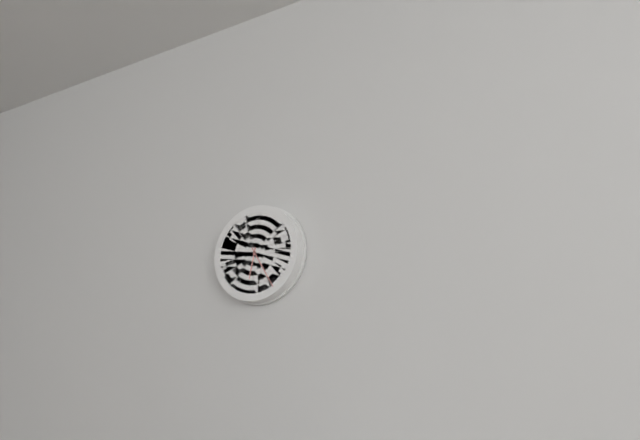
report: 6,25
